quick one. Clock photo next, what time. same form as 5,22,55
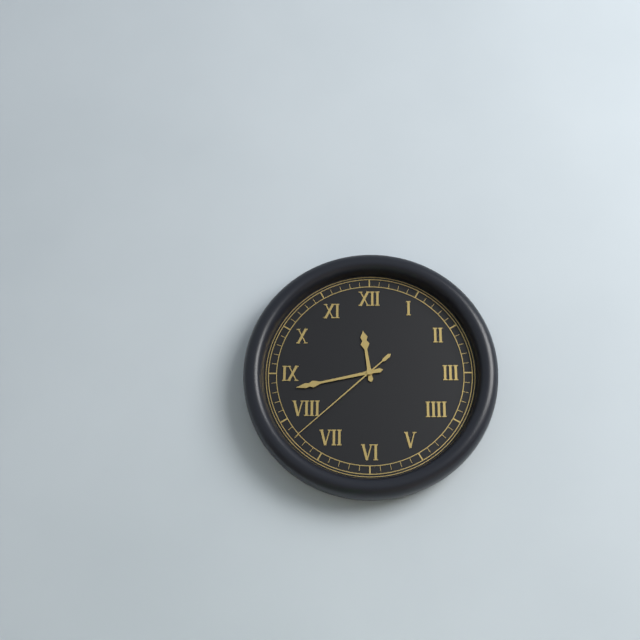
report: 11,43,38
